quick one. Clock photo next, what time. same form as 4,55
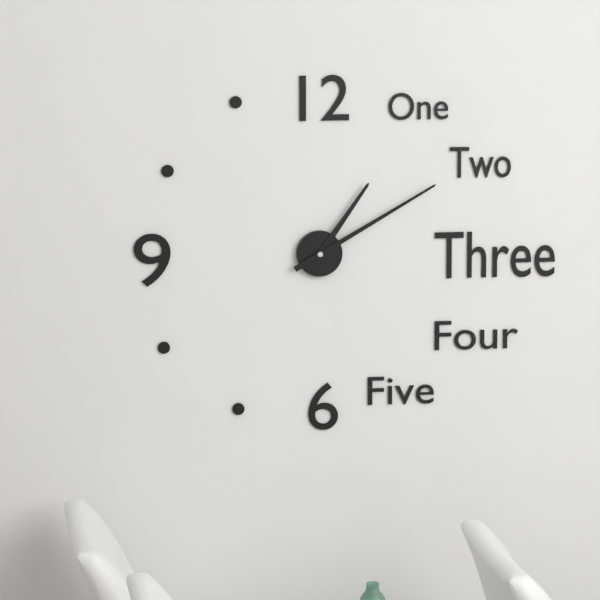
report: 1,10
